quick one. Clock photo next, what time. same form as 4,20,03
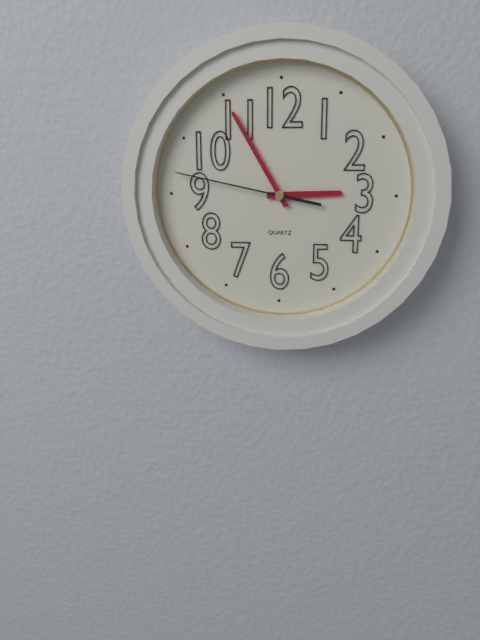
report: 2,55,47
